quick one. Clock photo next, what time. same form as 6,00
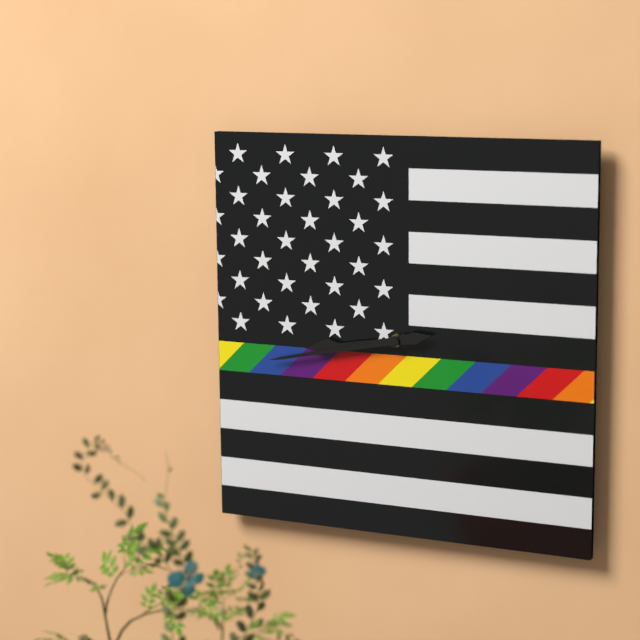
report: 8,43
